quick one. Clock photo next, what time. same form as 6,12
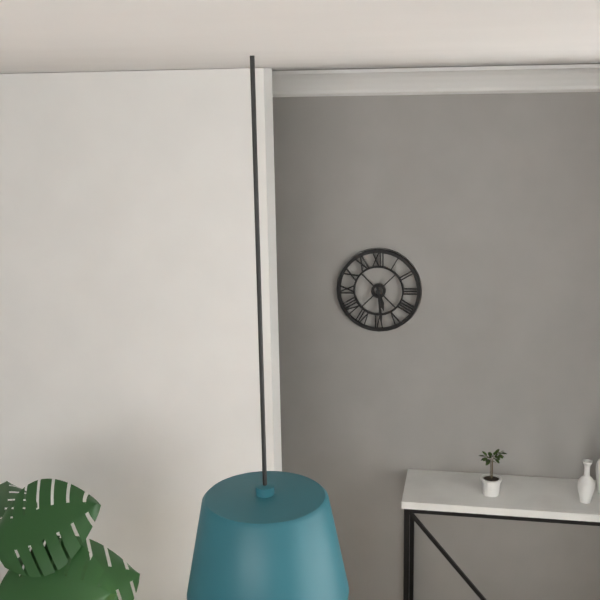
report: 5,29
